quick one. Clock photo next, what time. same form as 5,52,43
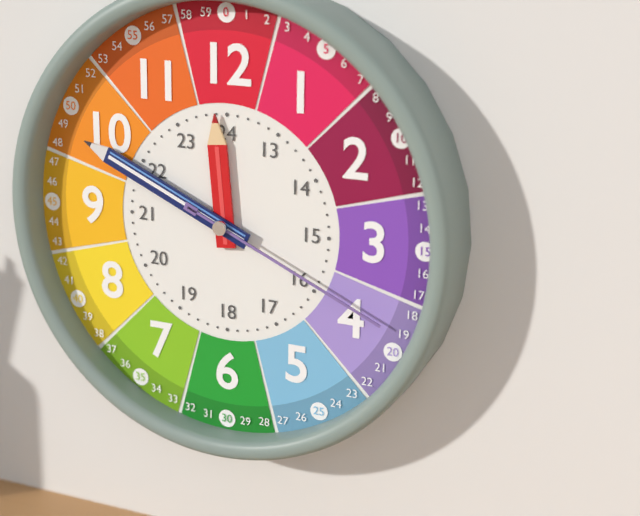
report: 11,49,19
